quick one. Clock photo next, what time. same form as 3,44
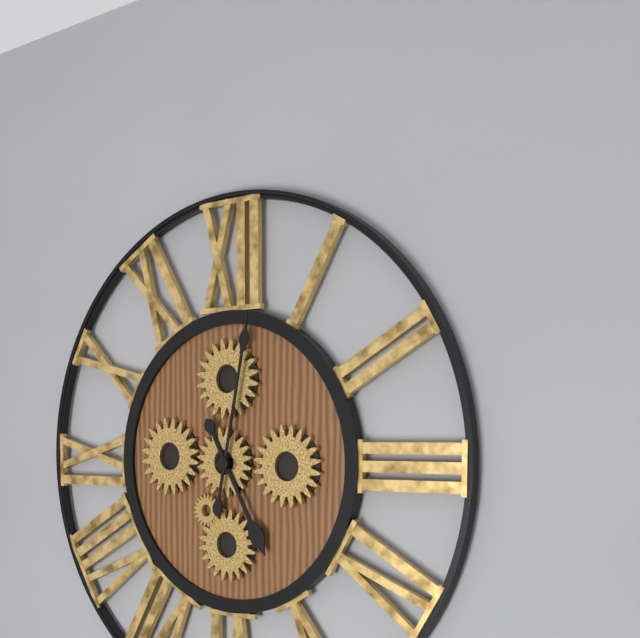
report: 5,02
